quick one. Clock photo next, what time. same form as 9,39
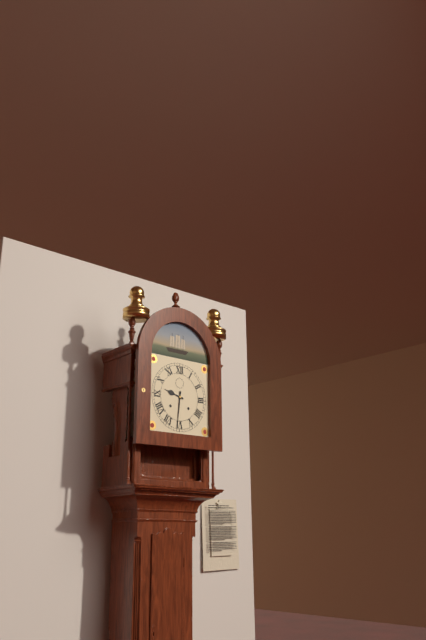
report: 9,31
